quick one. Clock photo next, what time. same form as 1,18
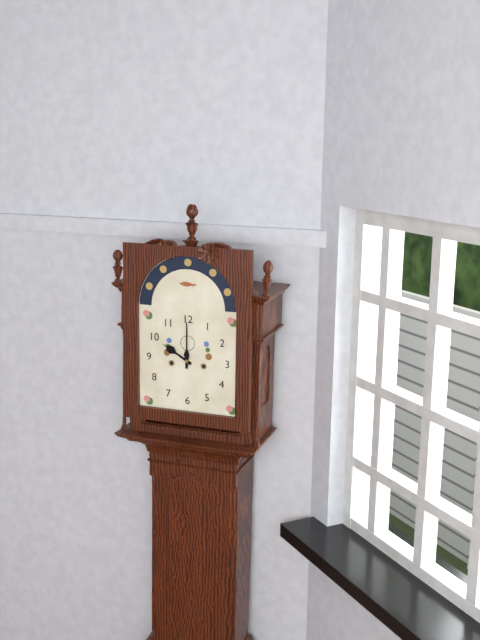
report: 10,00
